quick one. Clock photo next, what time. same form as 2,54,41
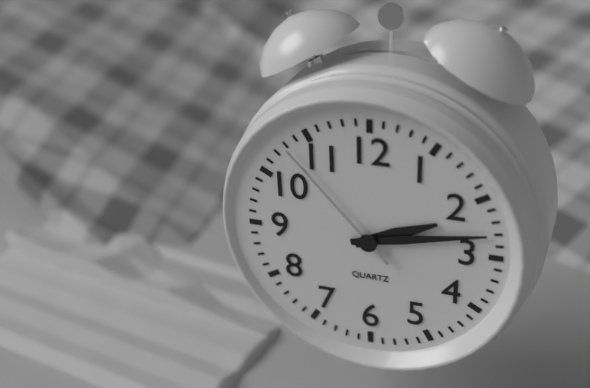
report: 2,13,53
